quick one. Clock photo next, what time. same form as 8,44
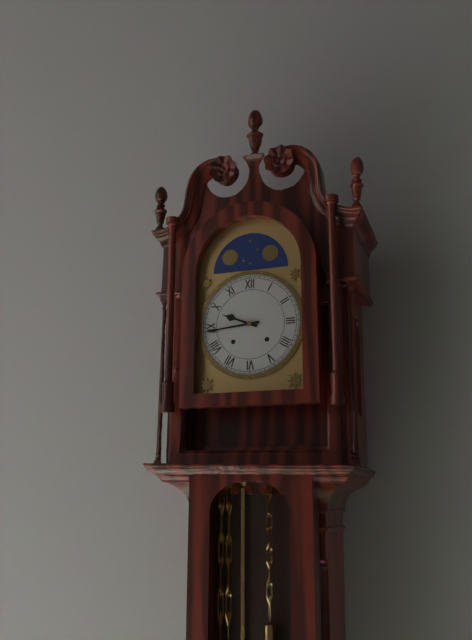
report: 9,44
